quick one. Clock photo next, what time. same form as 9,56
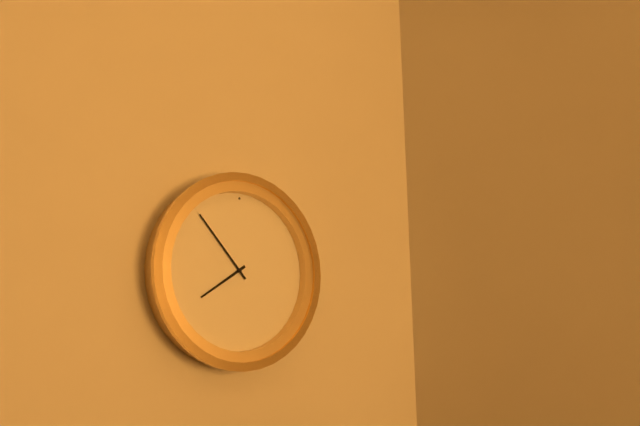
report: 7,53
